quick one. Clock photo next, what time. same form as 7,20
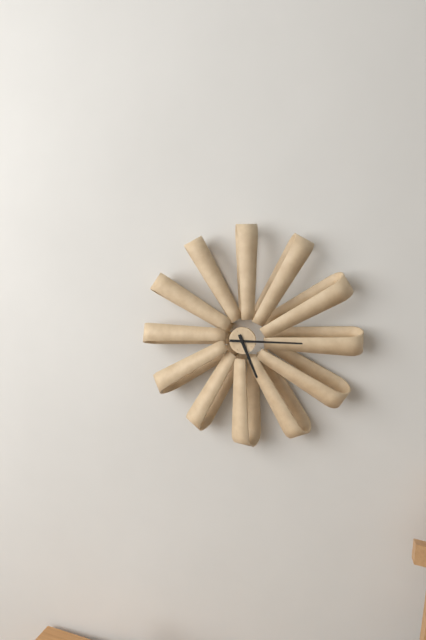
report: 5,15
